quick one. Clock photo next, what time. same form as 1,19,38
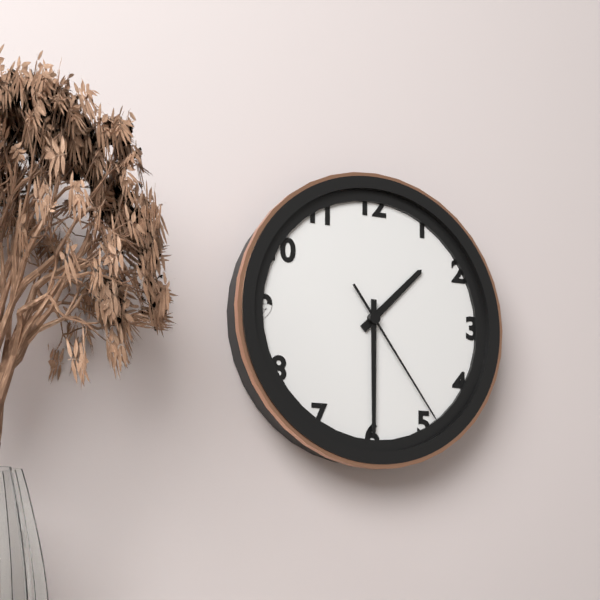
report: 1,30,24
